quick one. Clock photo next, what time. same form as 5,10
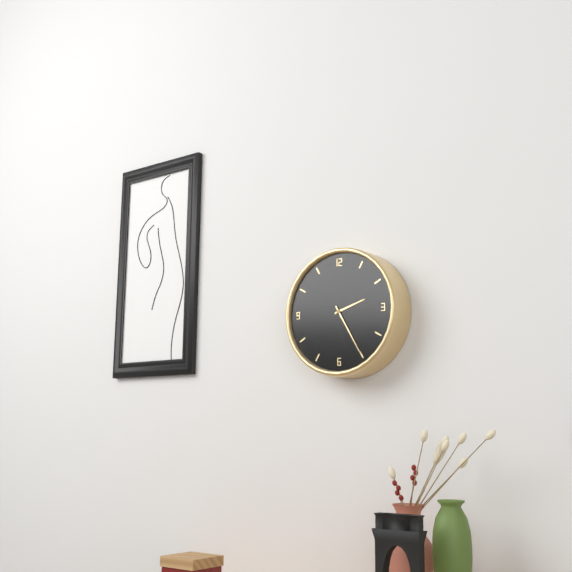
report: 2,25
